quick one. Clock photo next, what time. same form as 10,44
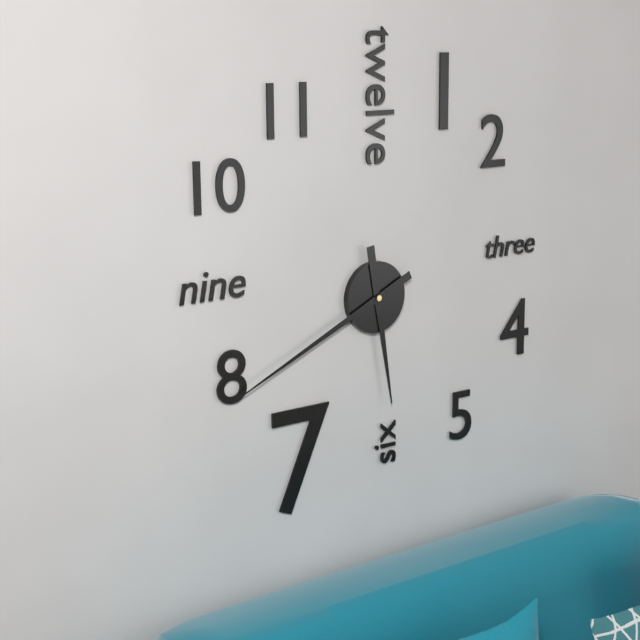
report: 5,41
